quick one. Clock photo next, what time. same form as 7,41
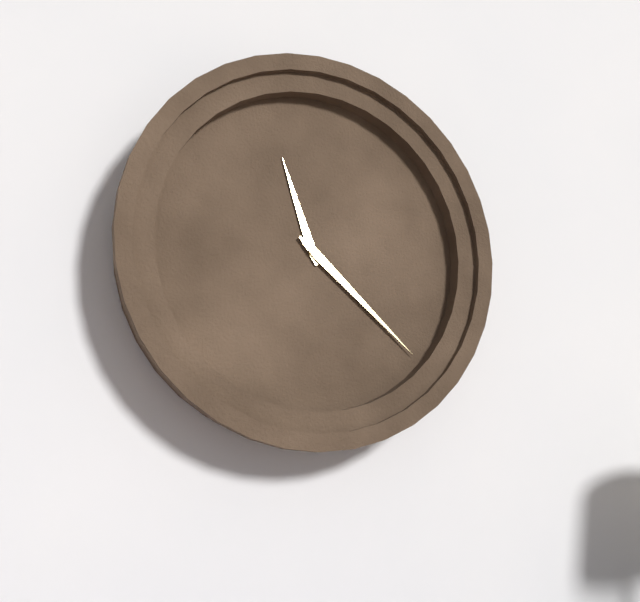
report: 11,22
